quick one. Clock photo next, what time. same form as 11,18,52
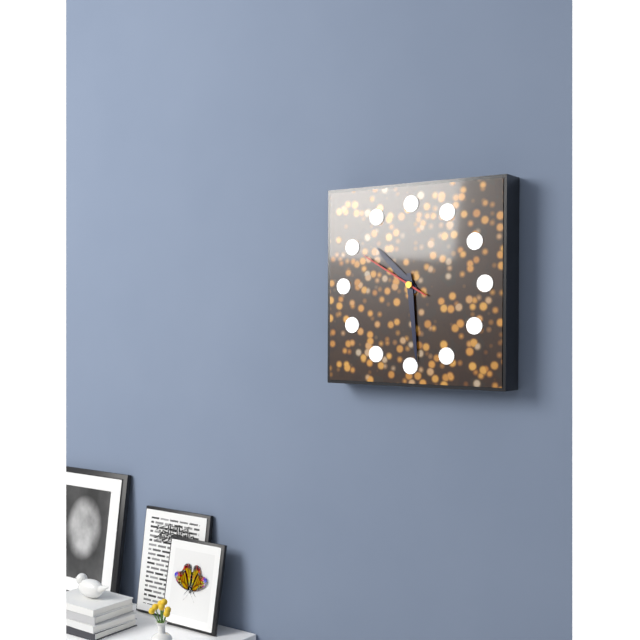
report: 10,29,50
